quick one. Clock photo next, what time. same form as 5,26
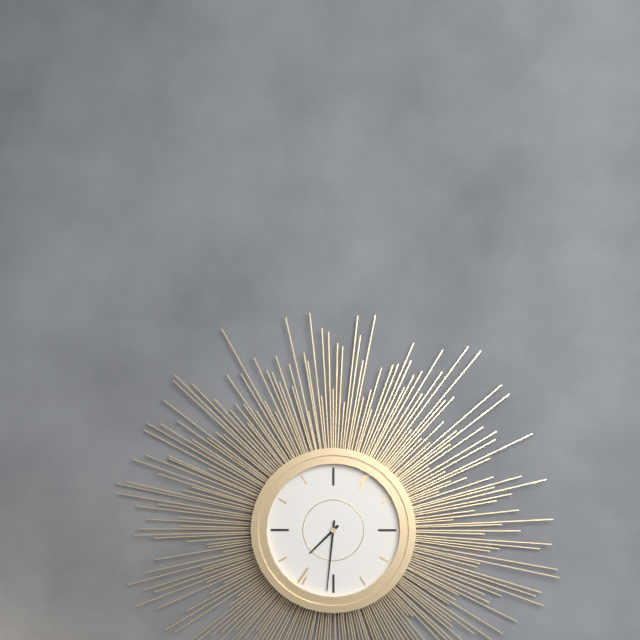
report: 7,31
